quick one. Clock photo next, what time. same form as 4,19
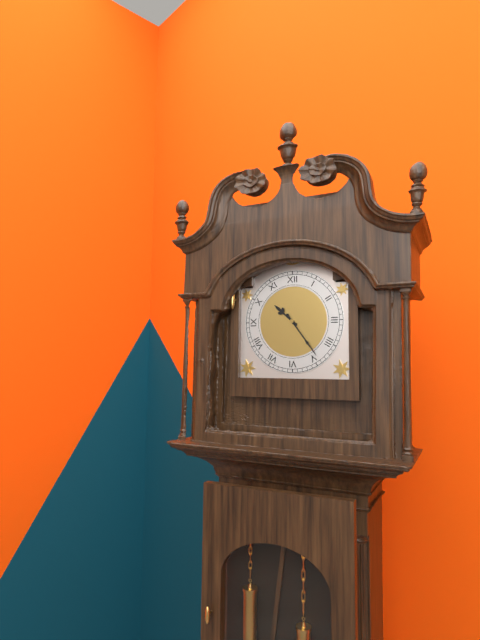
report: 10,24
